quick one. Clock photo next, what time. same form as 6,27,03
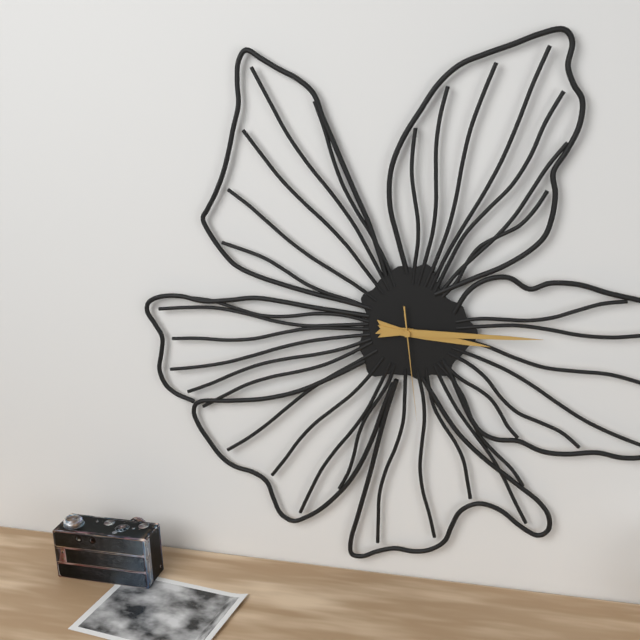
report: 3,15,29
